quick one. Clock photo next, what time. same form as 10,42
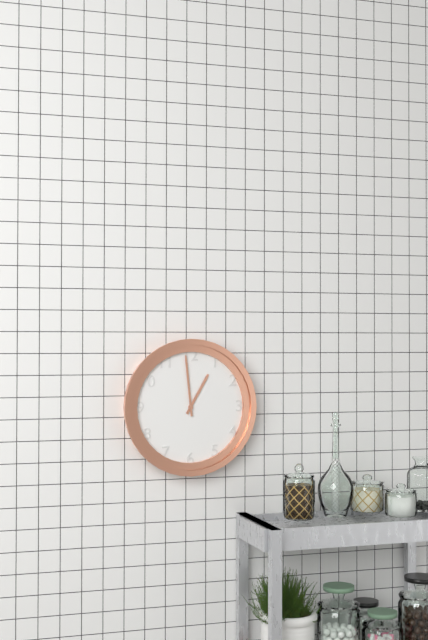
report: 12,59
